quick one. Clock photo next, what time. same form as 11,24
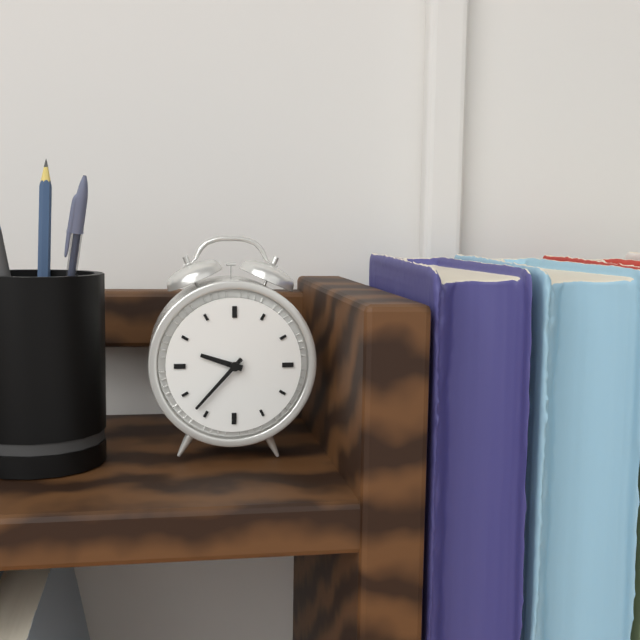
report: 9,37
